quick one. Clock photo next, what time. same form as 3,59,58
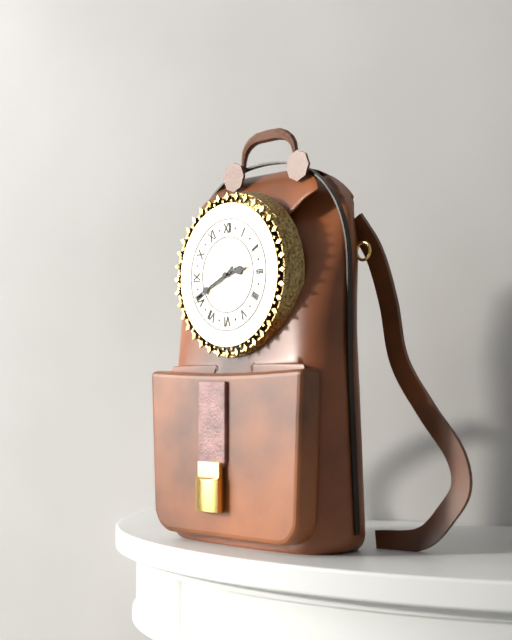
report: 2,41,40
